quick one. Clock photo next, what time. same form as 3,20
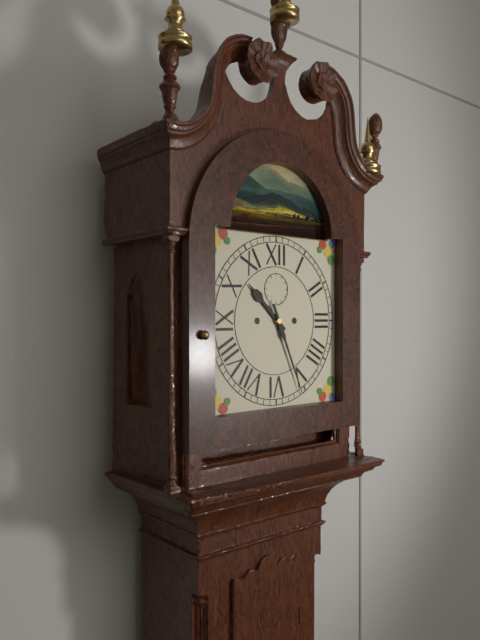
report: 10,26
